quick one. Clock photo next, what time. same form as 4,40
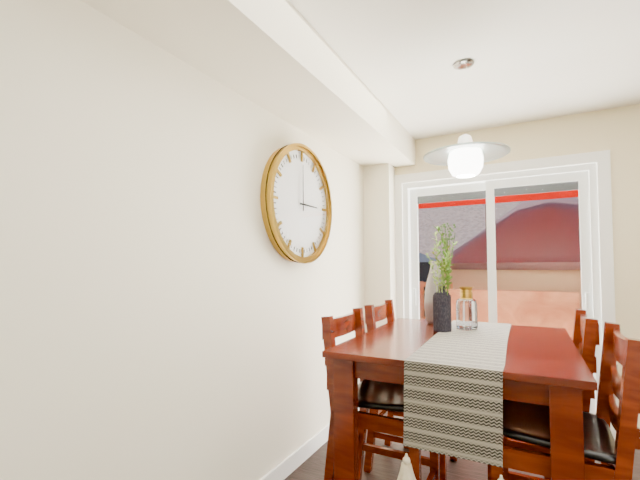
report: 3,00
